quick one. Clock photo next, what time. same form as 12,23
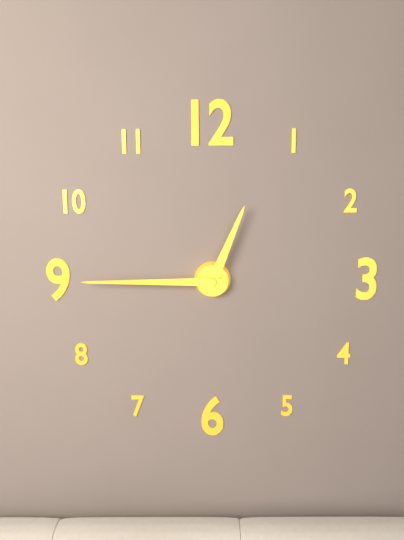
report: 12,45
